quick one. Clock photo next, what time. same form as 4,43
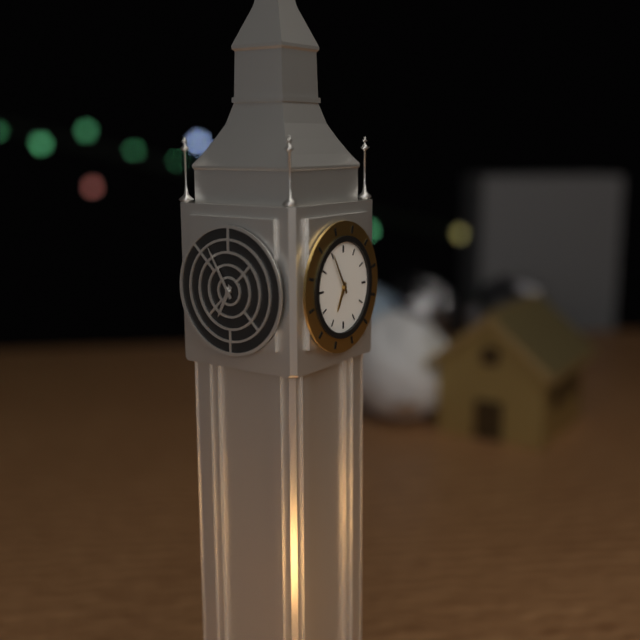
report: 6,55
